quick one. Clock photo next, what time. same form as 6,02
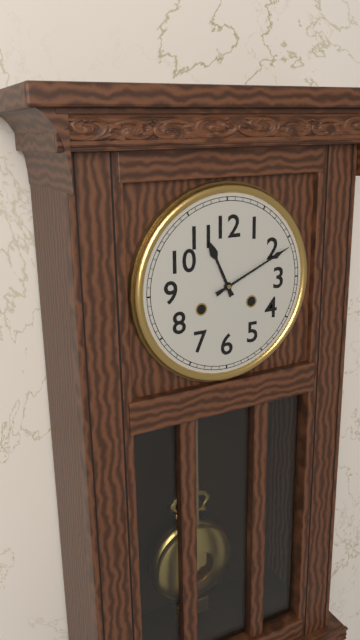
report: 11,11
